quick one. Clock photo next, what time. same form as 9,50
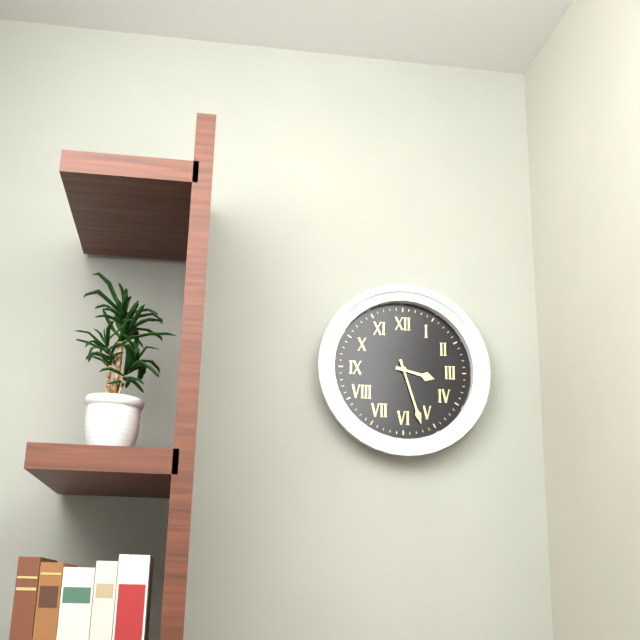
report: 3,27
